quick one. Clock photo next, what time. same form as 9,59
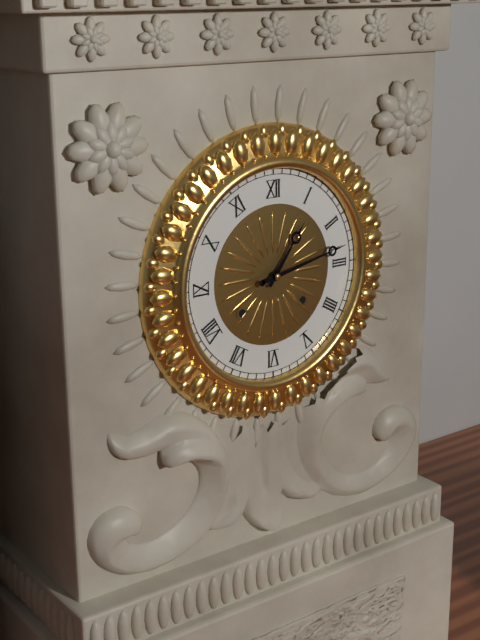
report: 1,13
